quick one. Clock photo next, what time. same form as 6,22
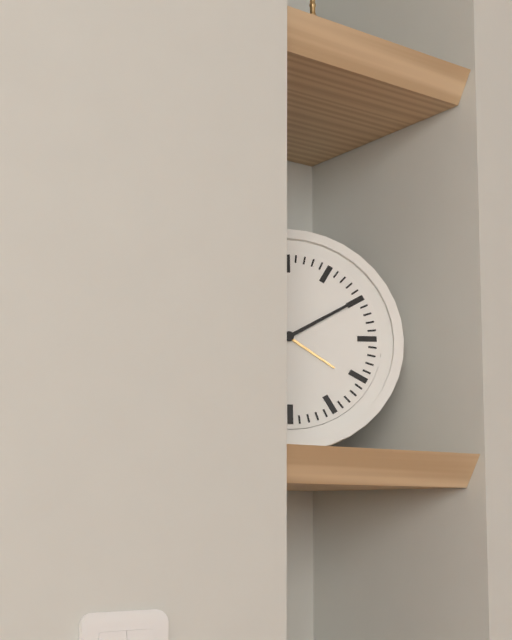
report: 4,10
